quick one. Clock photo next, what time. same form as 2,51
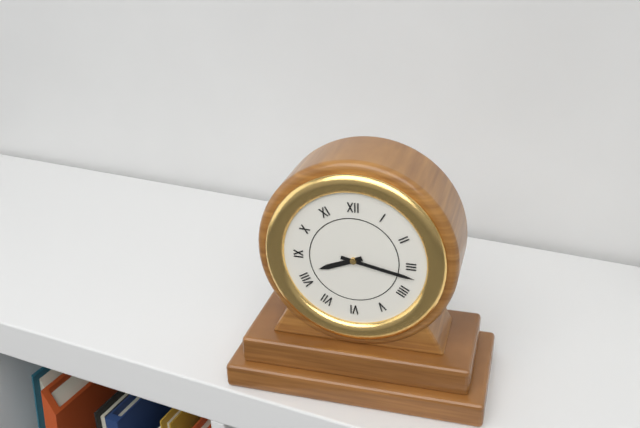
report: 8,17
